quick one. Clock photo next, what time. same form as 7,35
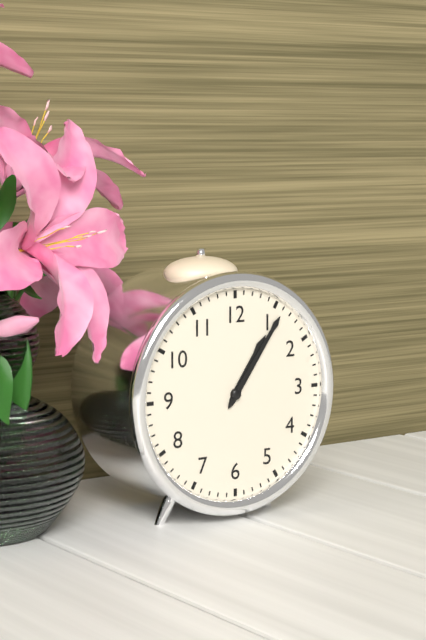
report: 1,06
